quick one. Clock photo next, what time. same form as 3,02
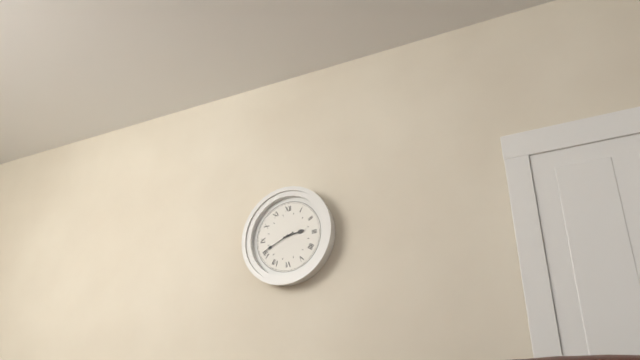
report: 2,41
